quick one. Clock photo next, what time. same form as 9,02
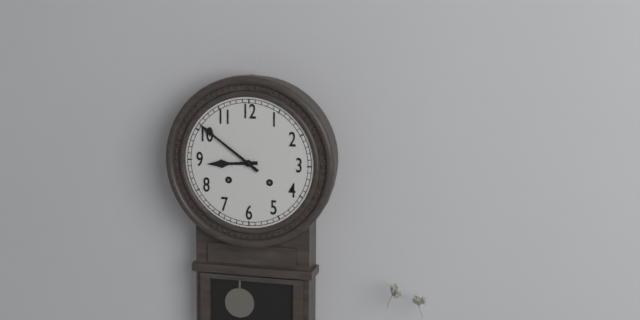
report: 8,51
